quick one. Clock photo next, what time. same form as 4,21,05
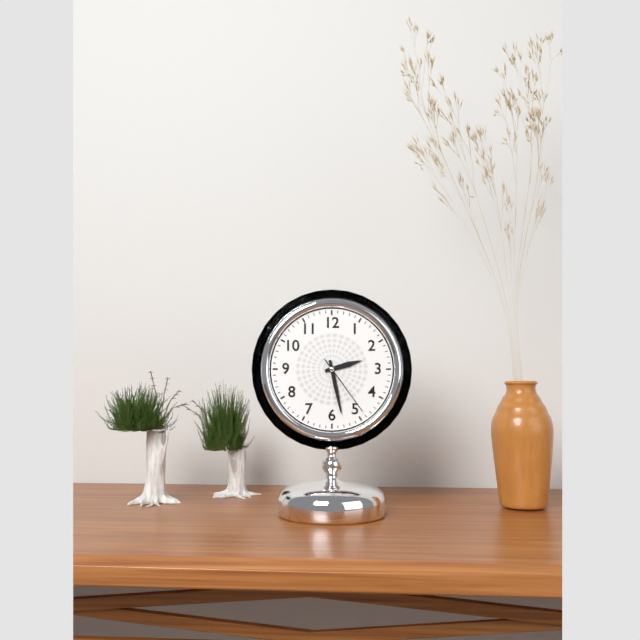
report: 2,28,24
